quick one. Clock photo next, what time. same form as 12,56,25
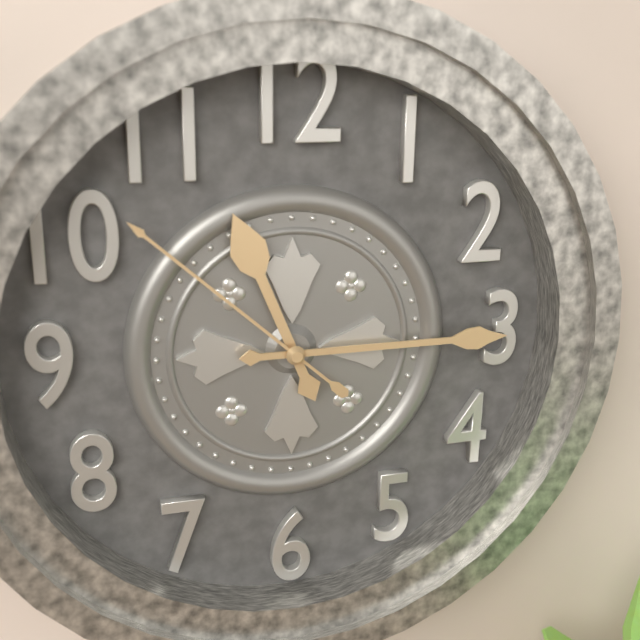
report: 11,15,52
